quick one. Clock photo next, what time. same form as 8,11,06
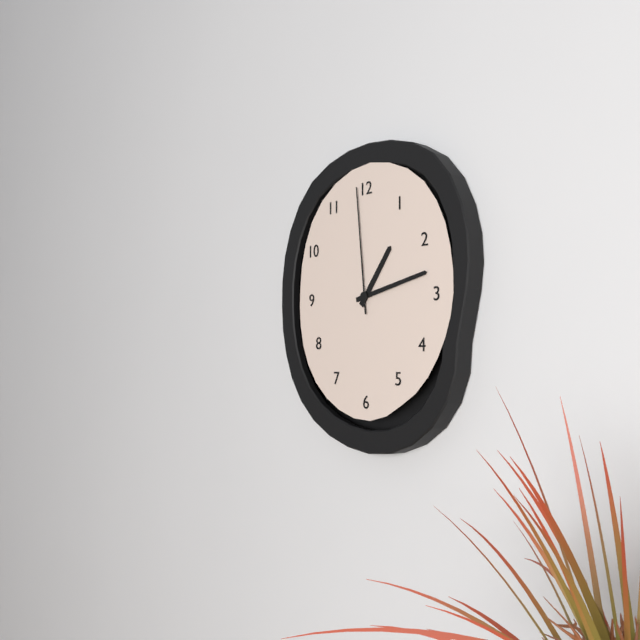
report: 1,13,59
